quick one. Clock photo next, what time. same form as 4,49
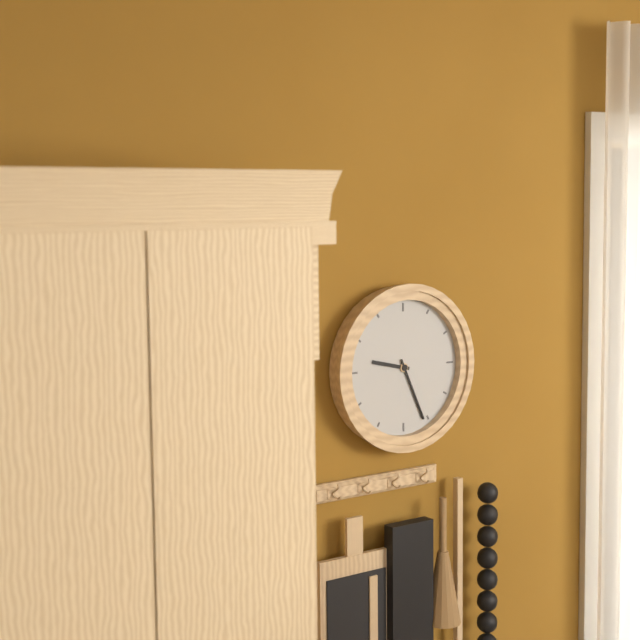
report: 9,26
